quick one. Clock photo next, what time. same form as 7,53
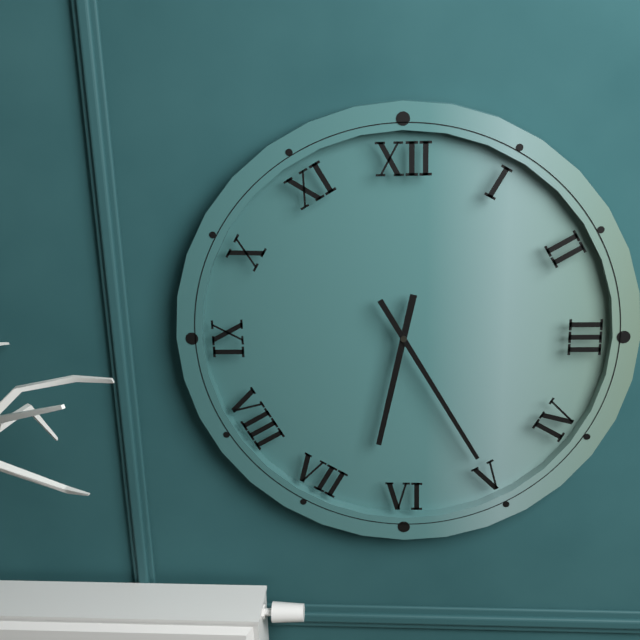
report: 6,25
